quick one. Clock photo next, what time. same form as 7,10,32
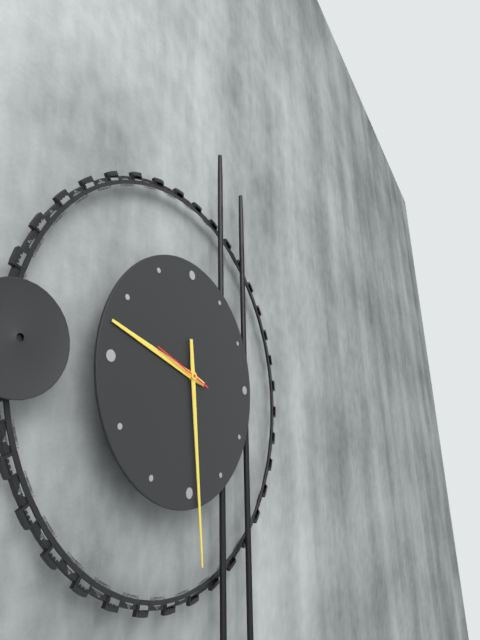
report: 9,29,48
